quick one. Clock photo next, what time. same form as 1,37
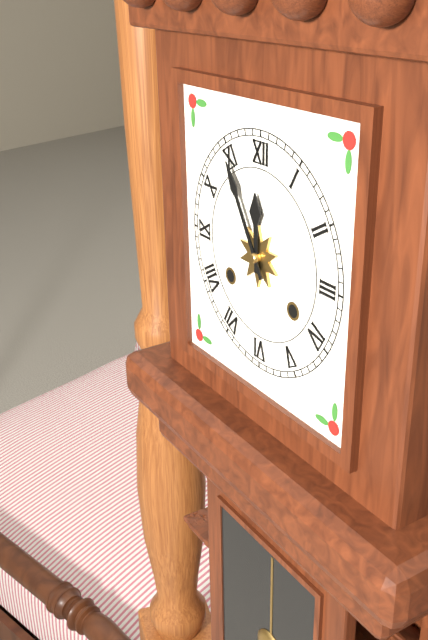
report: 11,55
